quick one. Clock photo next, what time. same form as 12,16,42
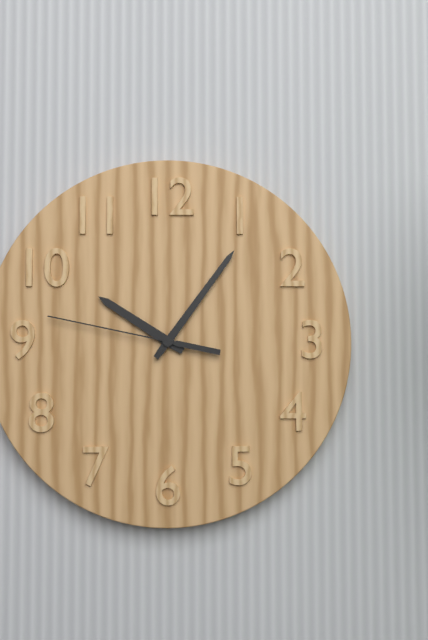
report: 10,06,47
